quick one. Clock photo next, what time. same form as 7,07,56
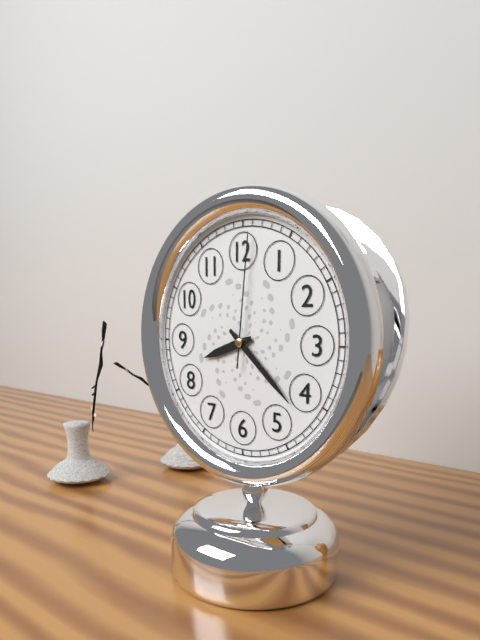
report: 8,22,01
